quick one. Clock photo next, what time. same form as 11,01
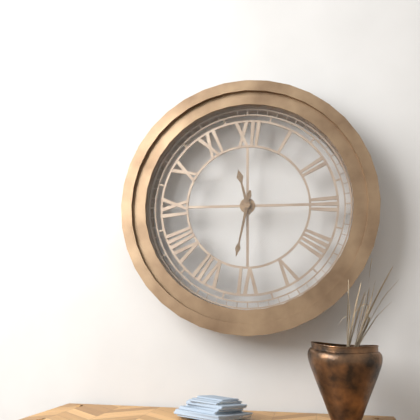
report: 11,32
